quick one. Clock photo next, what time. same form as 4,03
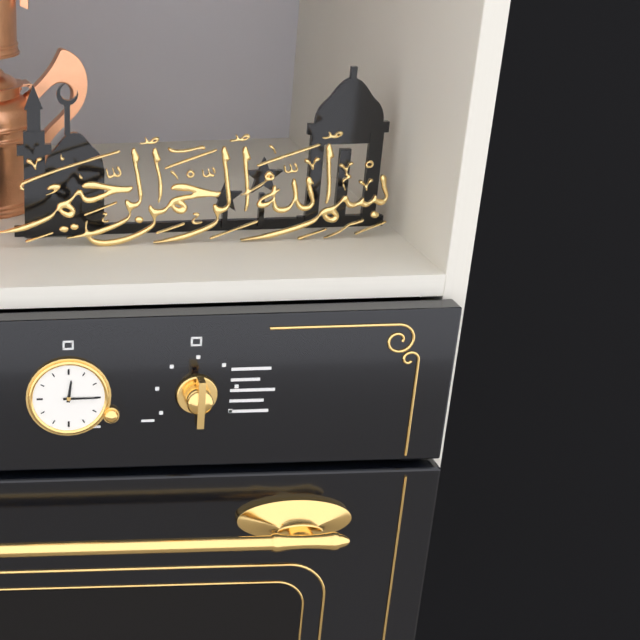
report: 12,15
